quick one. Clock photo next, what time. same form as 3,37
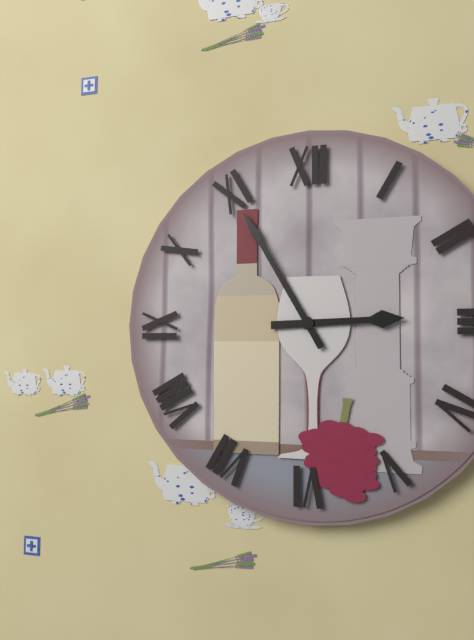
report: 2,55
